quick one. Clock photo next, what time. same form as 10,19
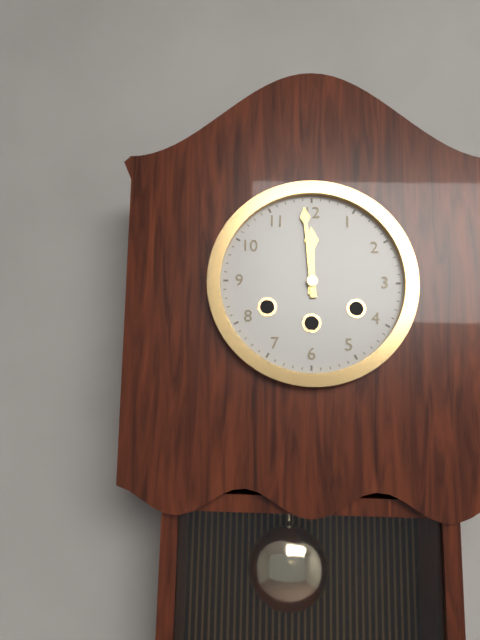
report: 11,59
